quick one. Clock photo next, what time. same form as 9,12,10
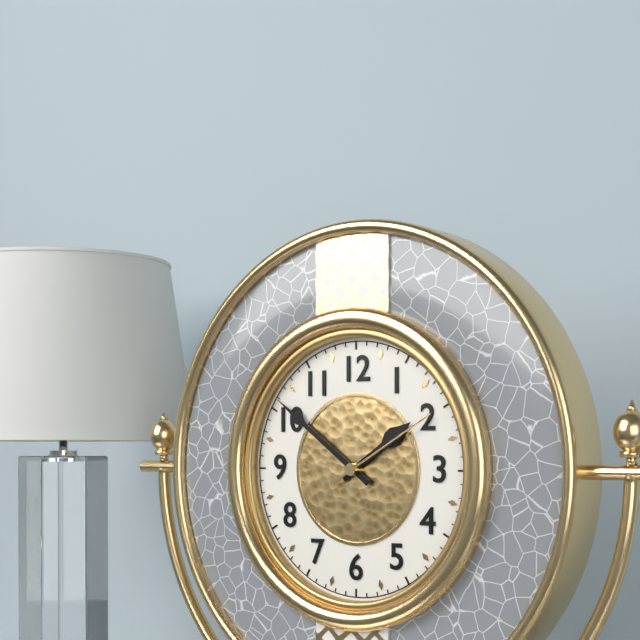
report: 1,51,10
